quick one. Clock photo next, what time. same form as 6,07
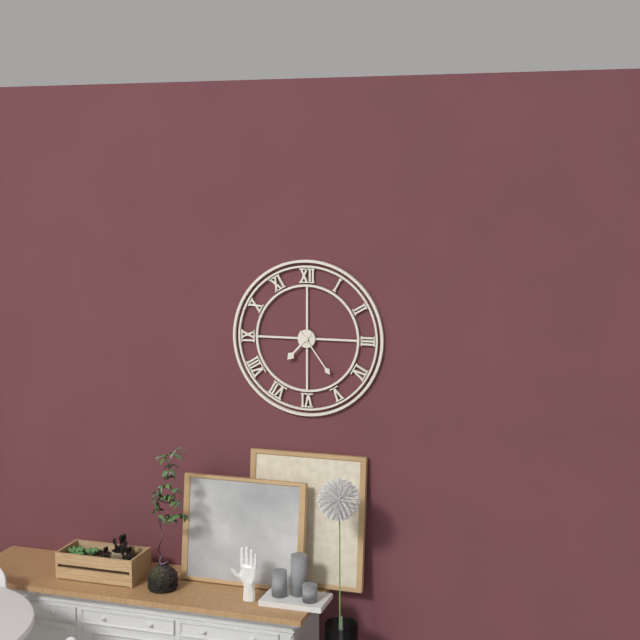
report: 7,24
